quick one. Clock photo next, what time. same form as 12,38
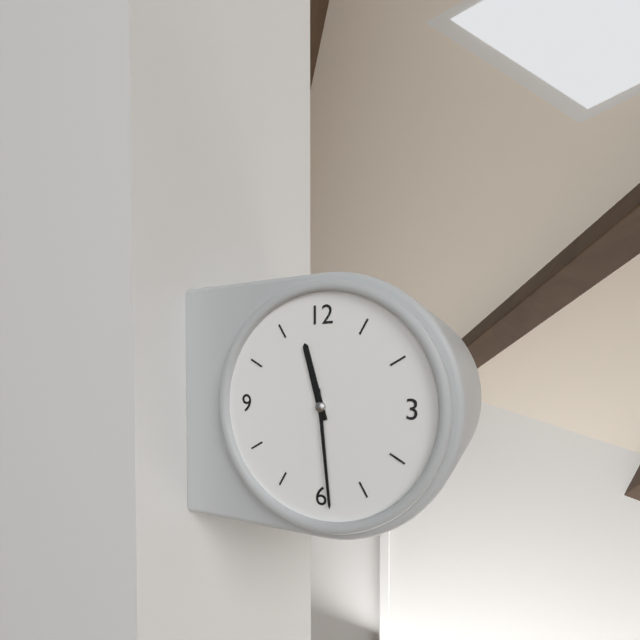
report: 11,29
